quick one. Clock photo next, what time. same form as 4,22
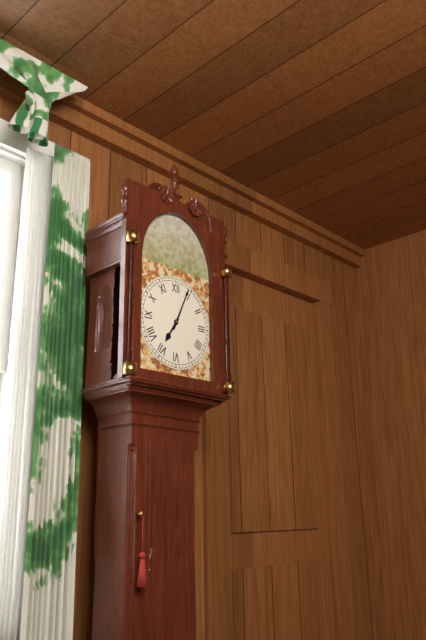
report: 7,04
